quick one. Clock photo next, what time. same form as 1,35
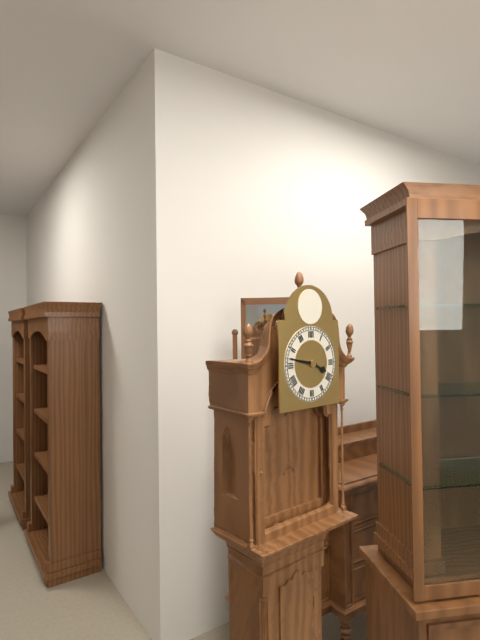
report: 3,47
